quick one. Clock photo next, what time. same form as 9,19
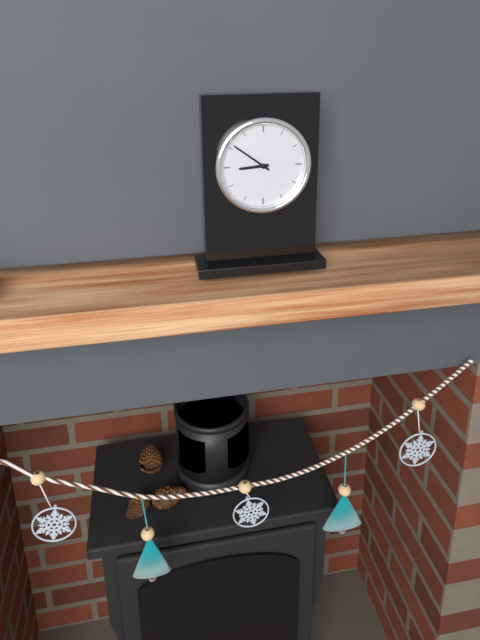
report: 8,51
